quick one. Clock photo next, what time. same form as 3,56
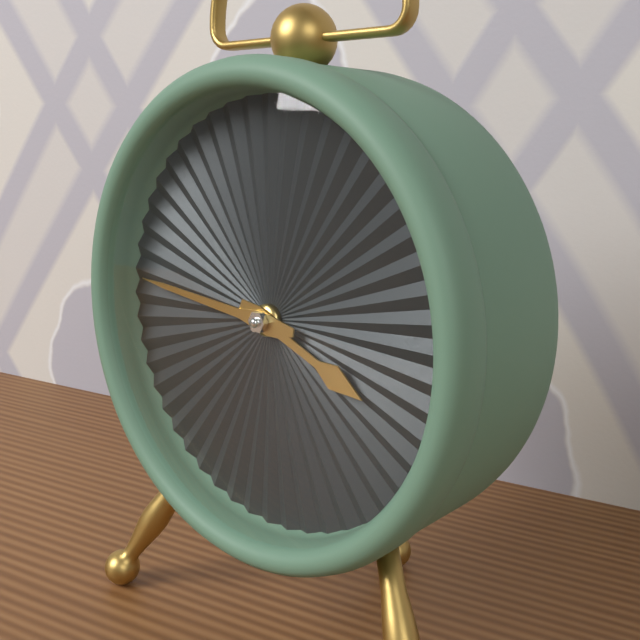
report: 3,46
